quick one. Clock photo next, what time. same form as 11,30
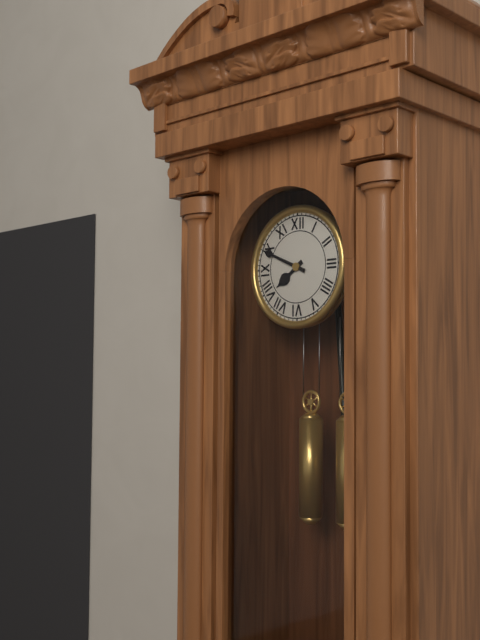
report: 7,49
